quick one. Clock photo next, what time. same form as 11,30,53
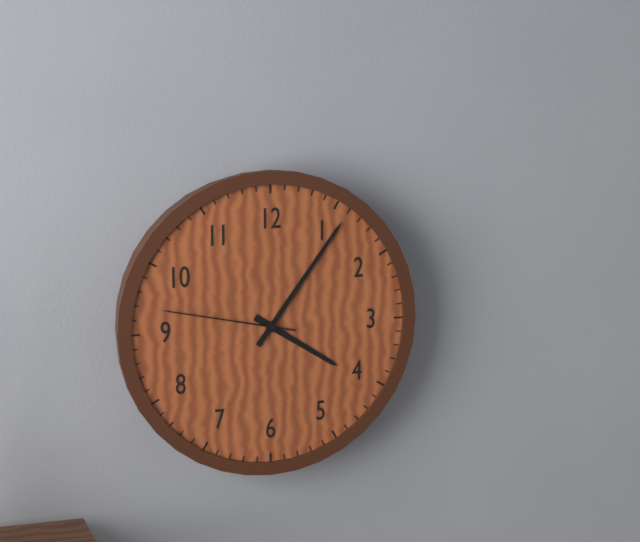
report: 4,06,47
